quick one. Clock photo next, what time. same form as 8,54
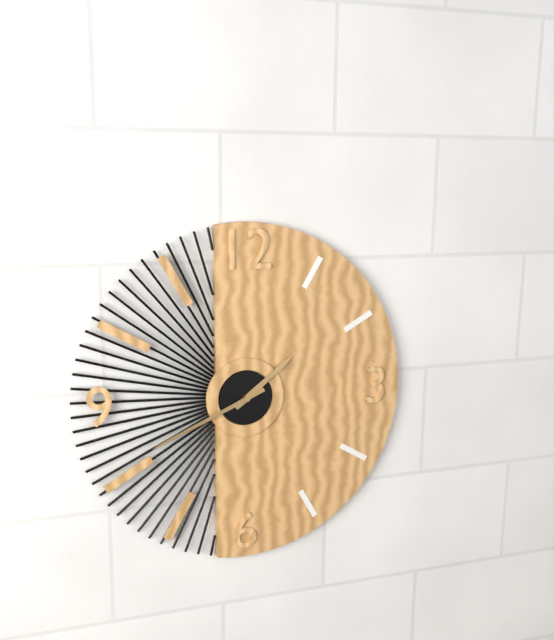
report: 1,41
